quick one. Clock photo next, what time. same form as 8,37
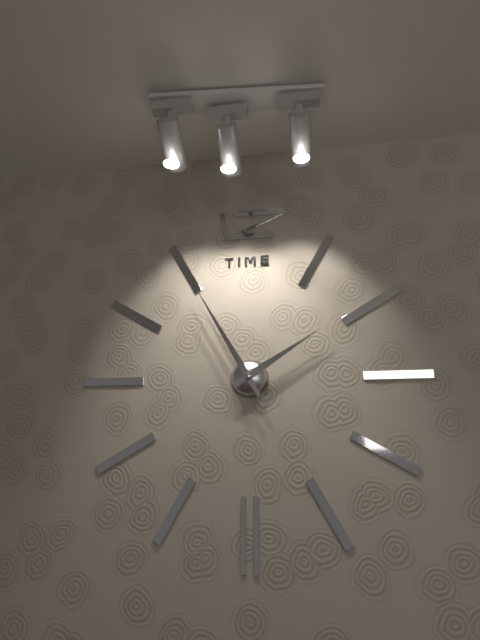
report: 1,55
